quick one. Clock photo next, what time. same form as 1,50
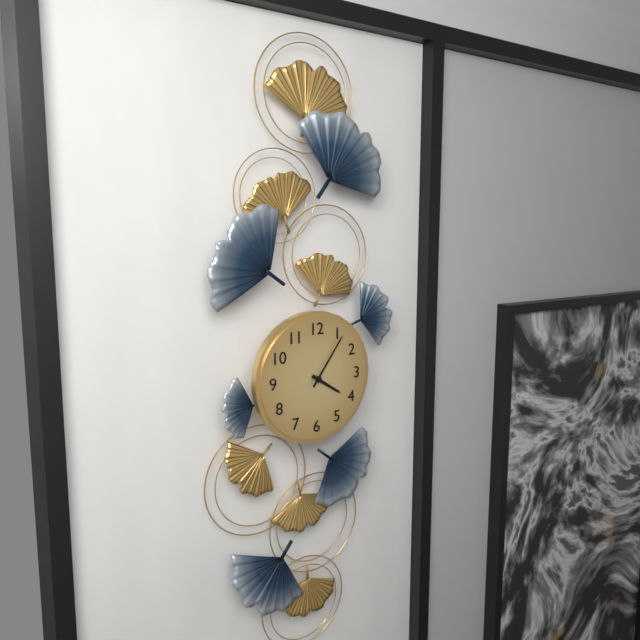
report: 4,06
